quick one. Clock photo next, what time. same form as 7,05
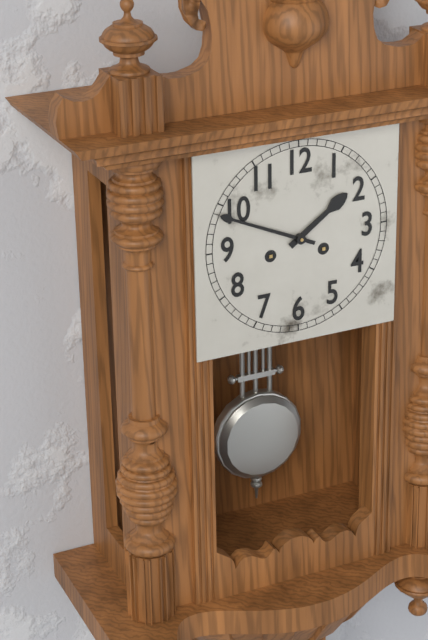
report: 1,49
